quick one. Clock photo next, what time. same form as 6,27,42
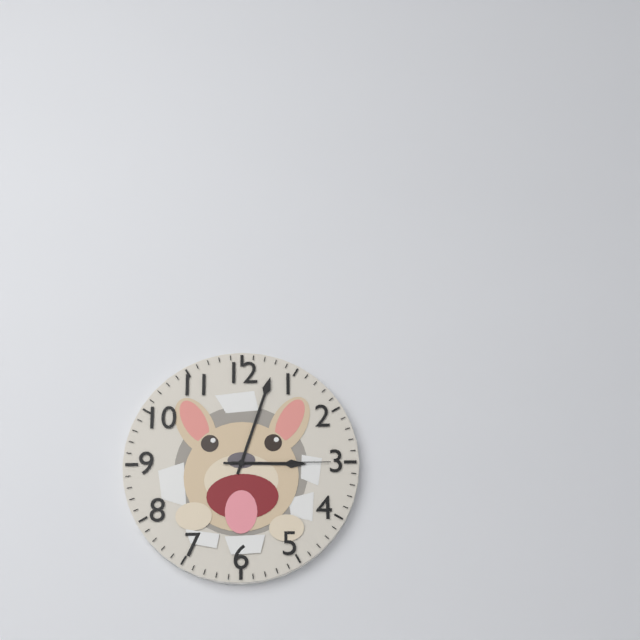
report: 3,03,15
